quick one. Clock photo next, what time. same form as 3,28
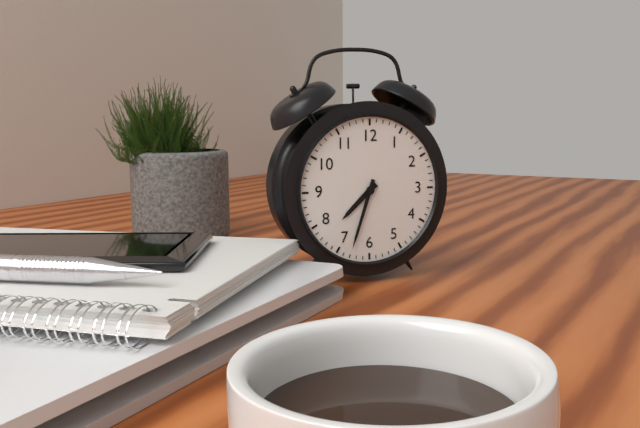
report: 7,33
